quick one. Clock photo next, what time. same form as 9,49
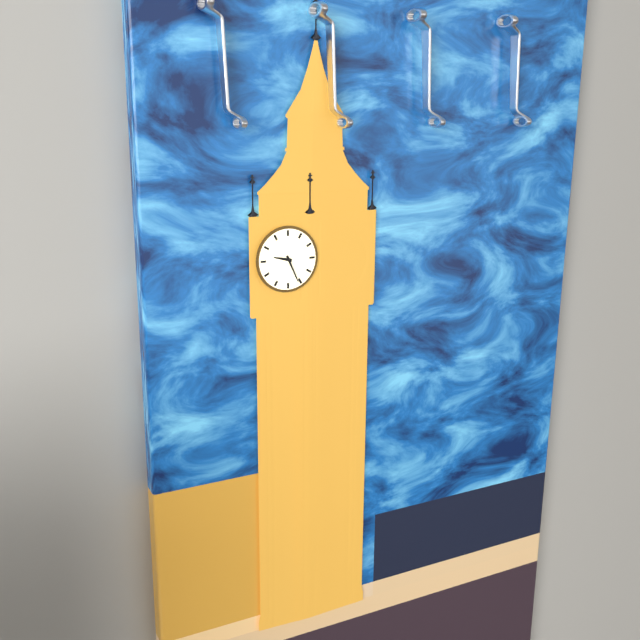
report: 9,26
